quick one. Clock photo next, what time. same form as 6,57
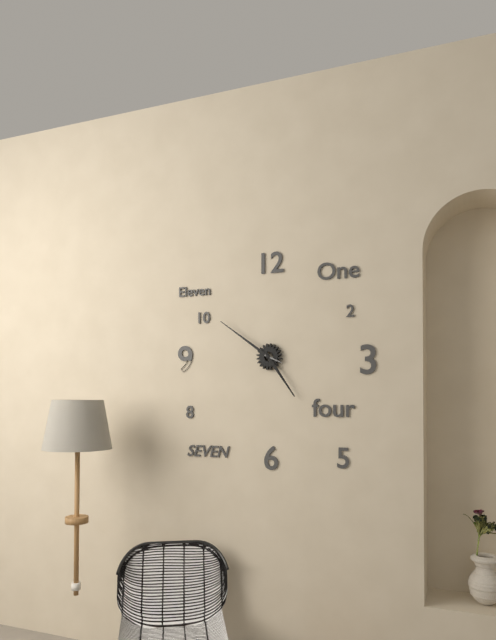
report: 4,51
